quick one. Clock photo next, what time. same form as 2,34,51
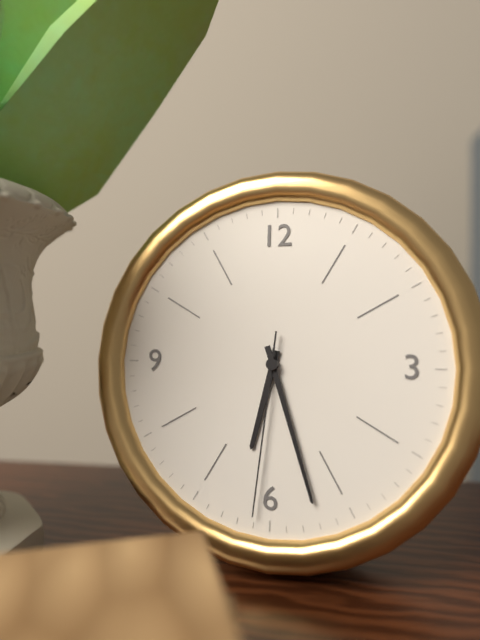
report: 6,27,31
